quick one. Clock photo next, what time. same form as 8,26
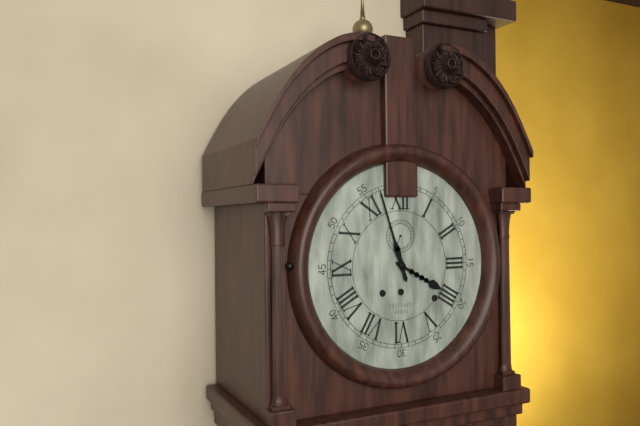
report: 3,57
